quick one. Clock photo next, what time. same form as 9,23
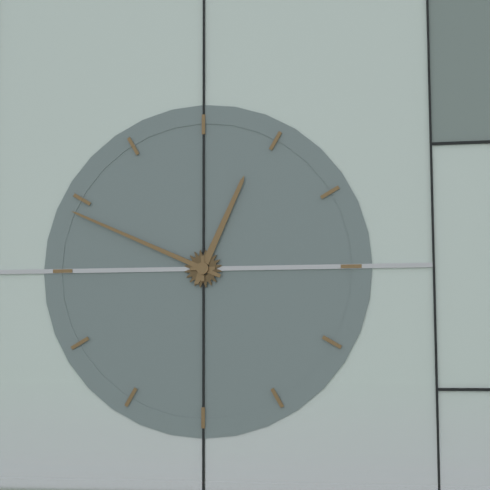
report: 12,49
